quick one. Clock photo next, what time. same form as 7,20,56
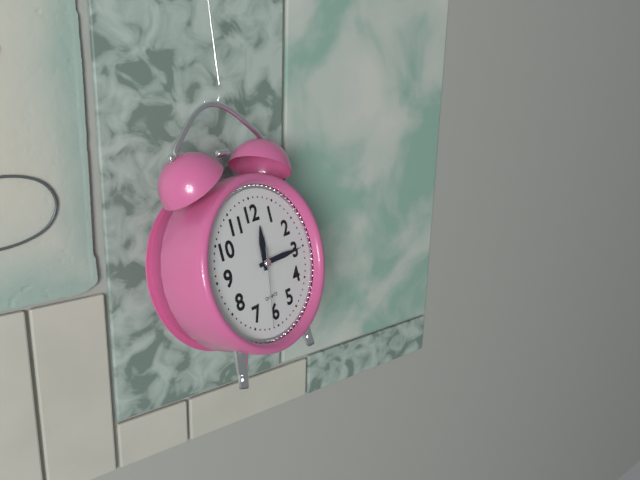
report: 12,15,32
